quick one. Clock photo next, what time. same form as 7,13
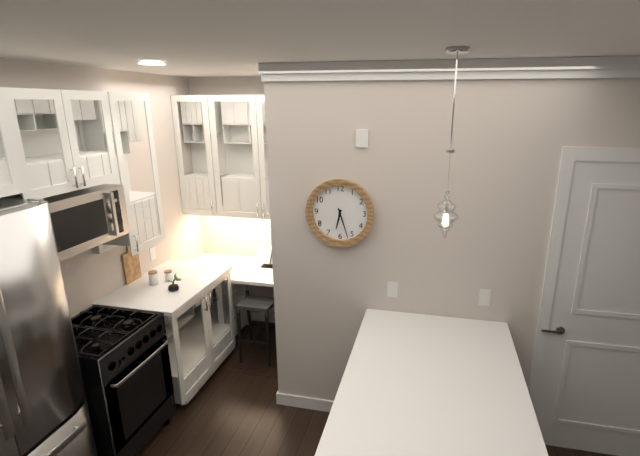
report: 6,27
